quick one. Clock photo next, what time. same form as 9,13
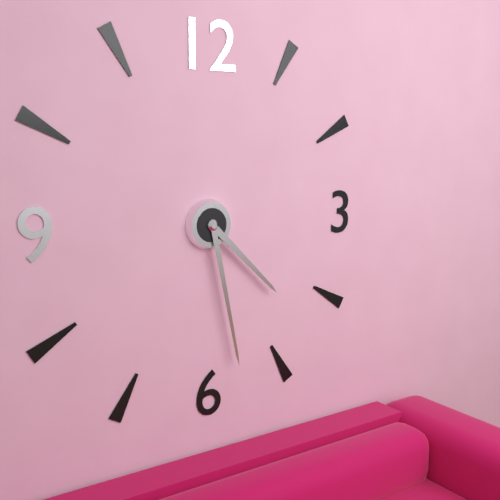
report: 4,28
